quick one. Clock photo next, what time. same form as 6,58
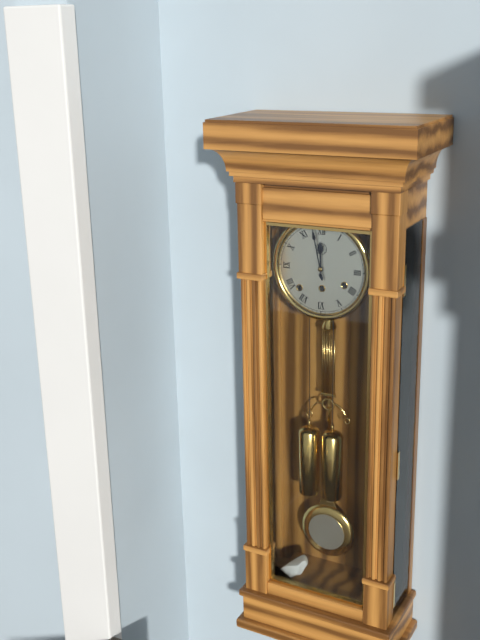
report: 11,58
